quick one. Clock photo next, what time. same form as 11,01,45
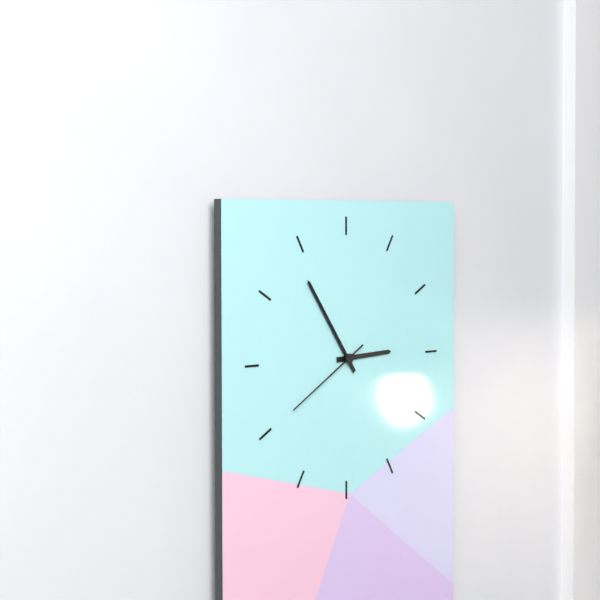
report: 2,54,40
